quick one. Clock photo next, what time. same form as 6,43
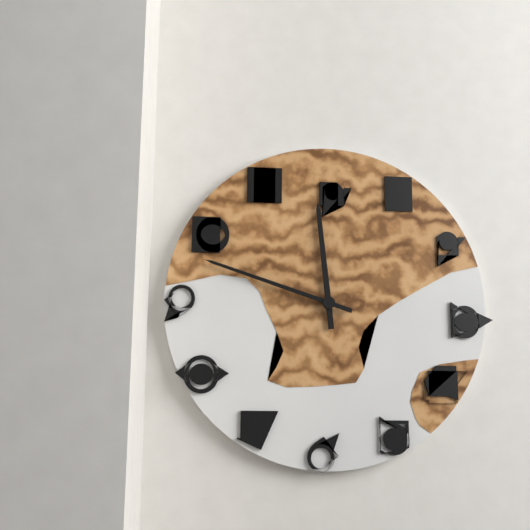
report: 11,48
